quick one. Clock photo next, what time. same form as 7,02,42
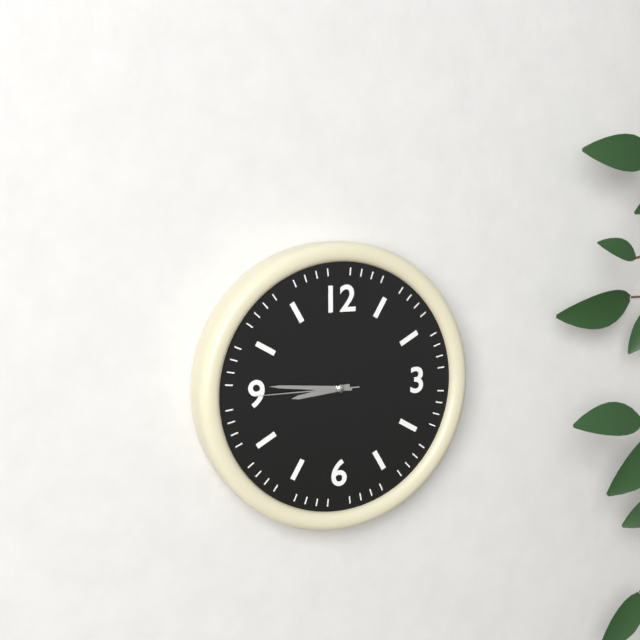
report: 8,46,45
